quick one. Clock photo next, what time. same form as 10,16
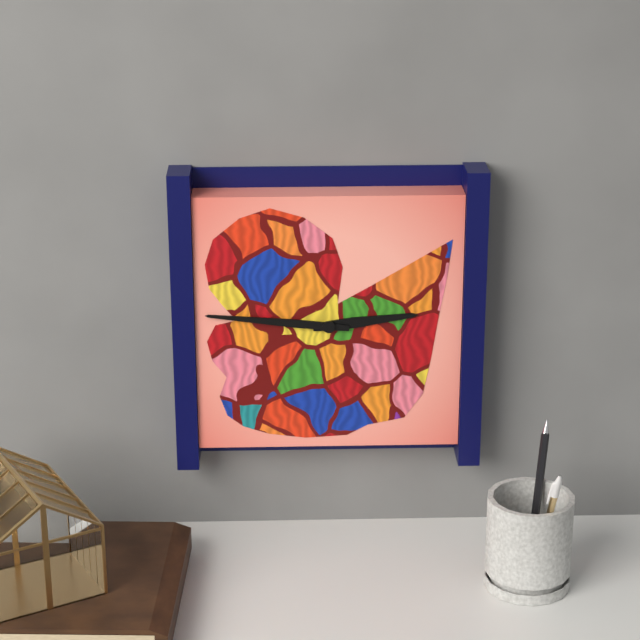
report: 2,46
